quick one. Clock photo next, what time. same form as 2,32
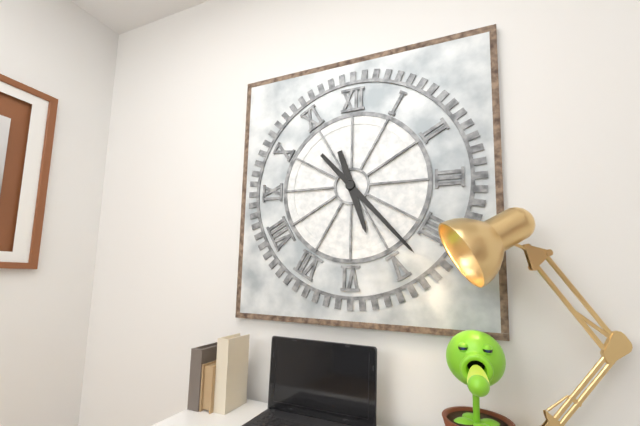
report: 5,23
